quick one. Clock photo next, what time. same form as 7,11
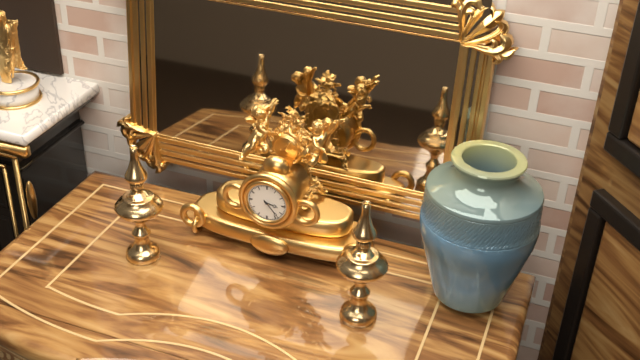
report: 3,23
